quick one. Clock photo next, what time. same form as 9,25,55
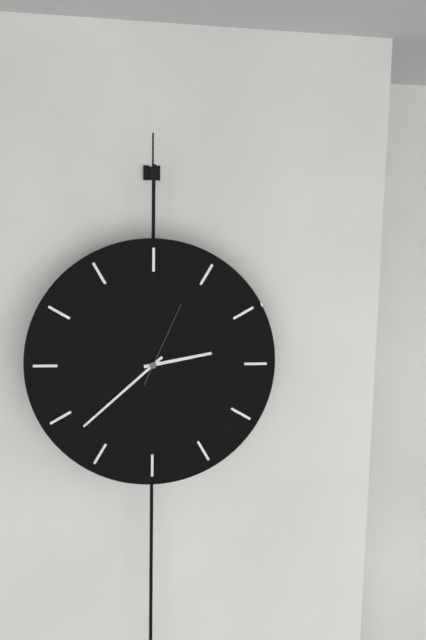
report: 2,38,04
